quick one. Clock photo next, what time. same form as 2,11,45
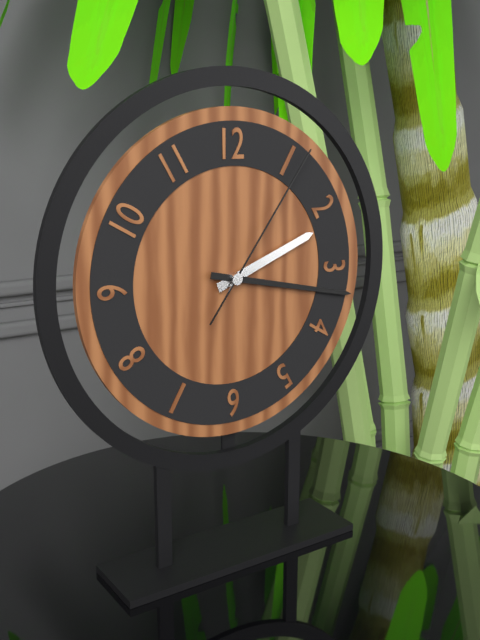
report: 2,17,06
